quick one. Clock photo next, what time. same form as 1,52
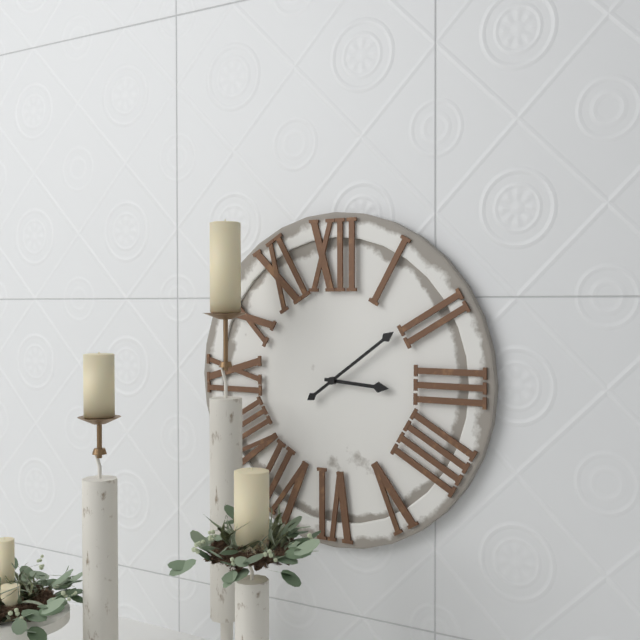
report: 3,09
